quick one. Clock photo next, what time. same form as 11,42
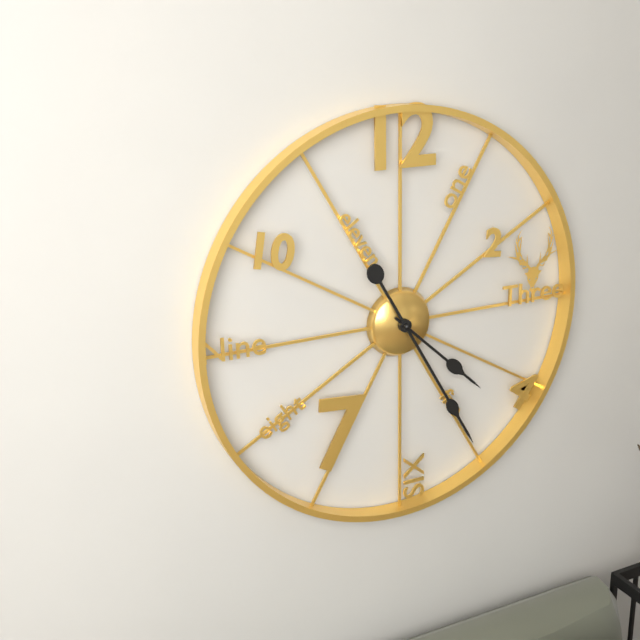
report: 4,25
